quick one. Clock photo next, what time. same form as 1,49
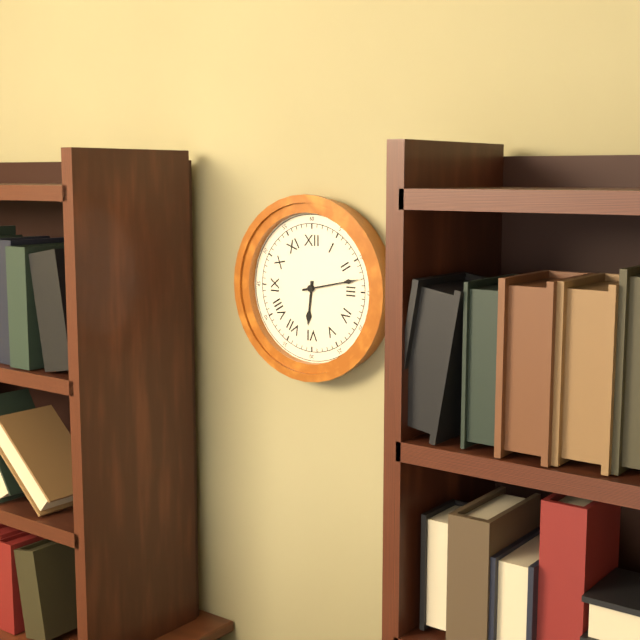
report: 6,13
